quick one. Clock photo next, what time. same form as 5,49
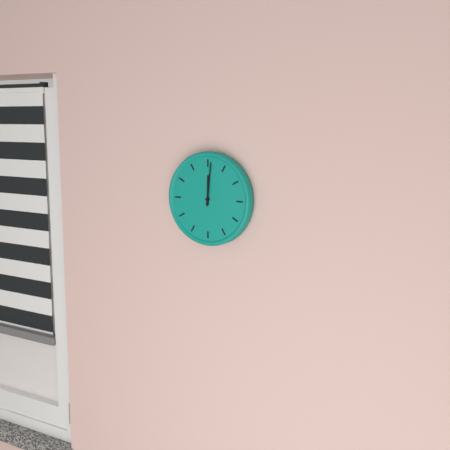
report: 12,01
